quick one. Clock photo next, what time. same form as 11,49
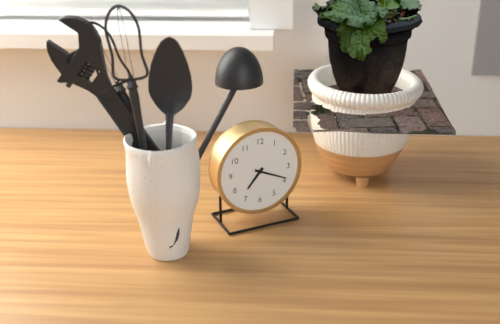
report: 7,19
